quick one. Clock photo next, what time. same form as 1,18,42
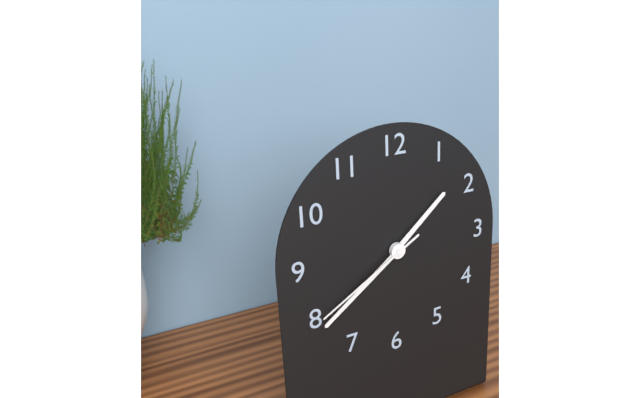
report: 1,39,40
